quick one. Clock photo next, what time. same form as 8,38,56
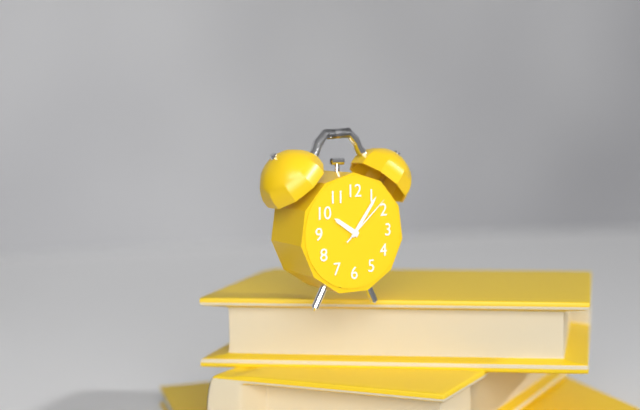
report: 10,06,08
